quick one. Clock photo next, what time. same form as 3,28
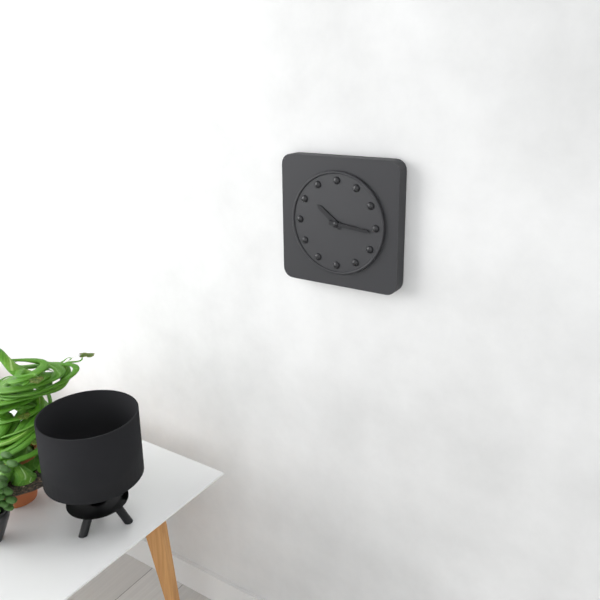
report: 10,16
